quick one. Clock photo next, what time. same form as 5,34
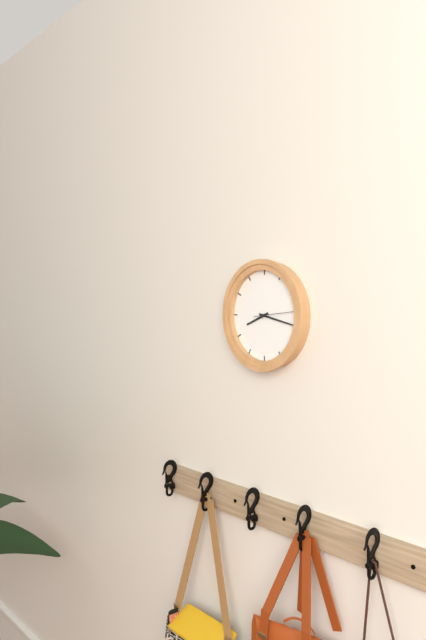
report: 8,17
